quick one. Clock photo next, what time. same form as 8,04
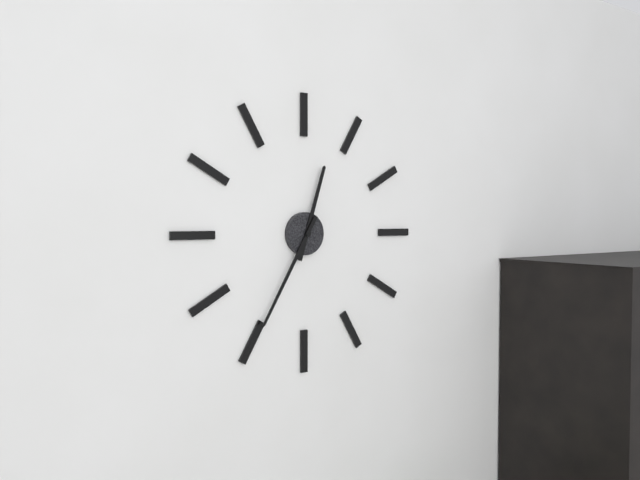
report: 12,35
